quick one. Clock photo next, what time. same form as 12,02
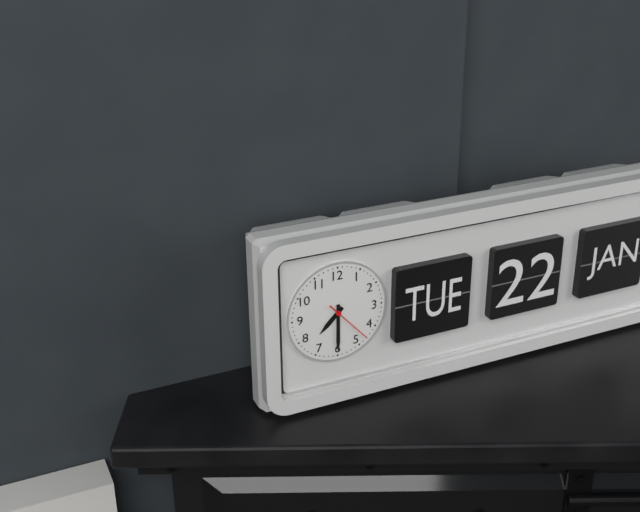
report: 7,30
